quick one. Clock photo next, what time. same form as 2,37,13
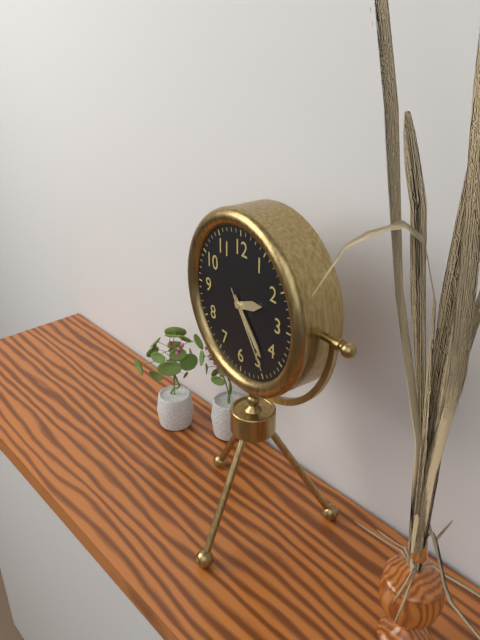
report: 2,23,24
